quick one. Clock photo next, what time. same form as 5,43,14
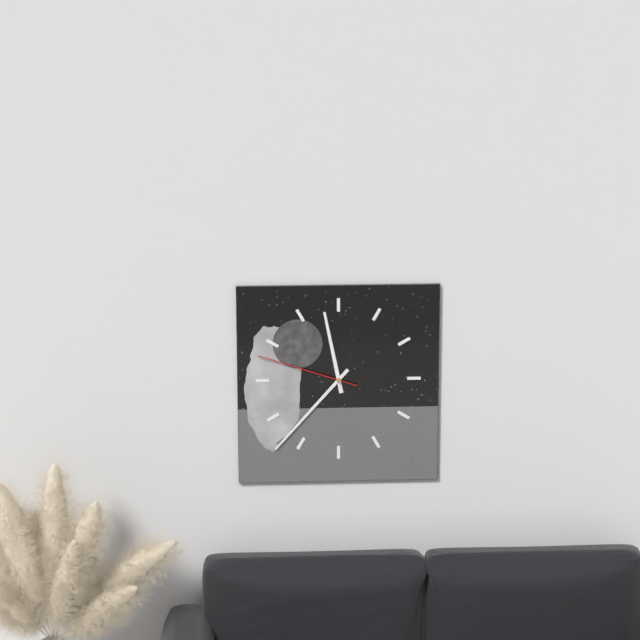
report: 11,37,48
